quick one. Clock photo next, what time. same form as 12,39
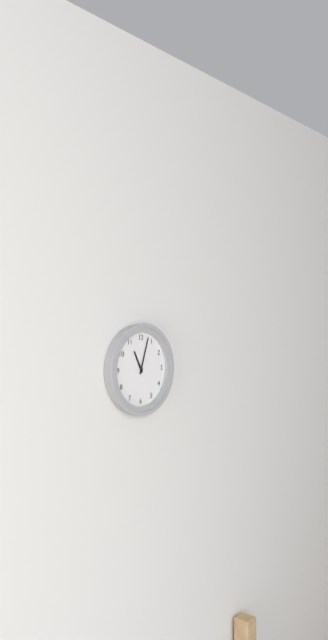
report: 11,03
